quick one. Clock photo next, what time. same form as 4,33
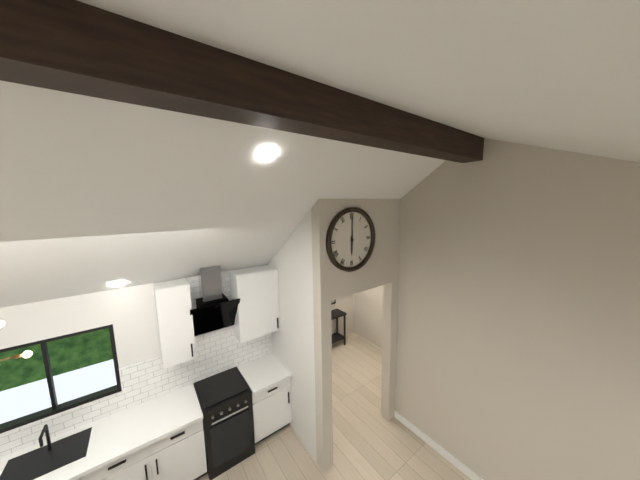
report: 6,00
